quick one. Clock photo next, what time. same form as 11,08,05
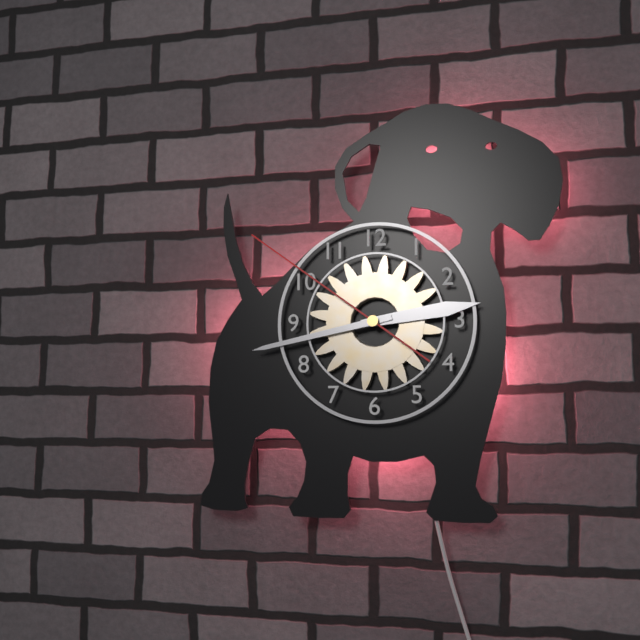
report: 2,43,51
